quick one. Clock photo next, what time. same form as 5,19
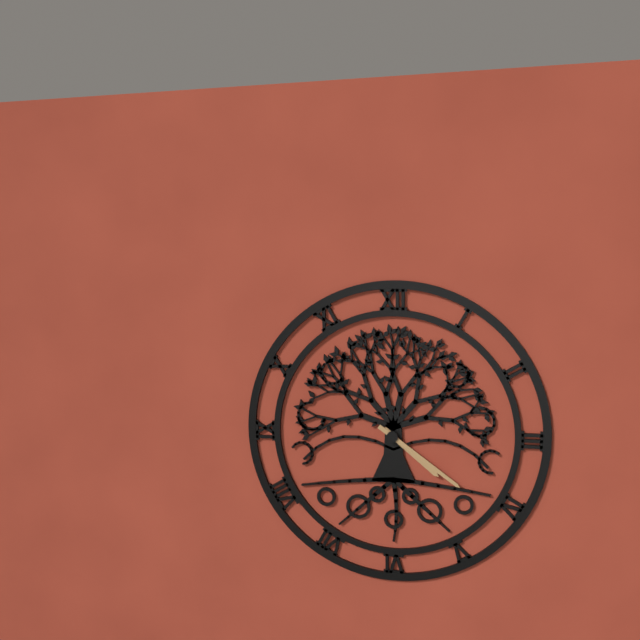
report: 4,21
